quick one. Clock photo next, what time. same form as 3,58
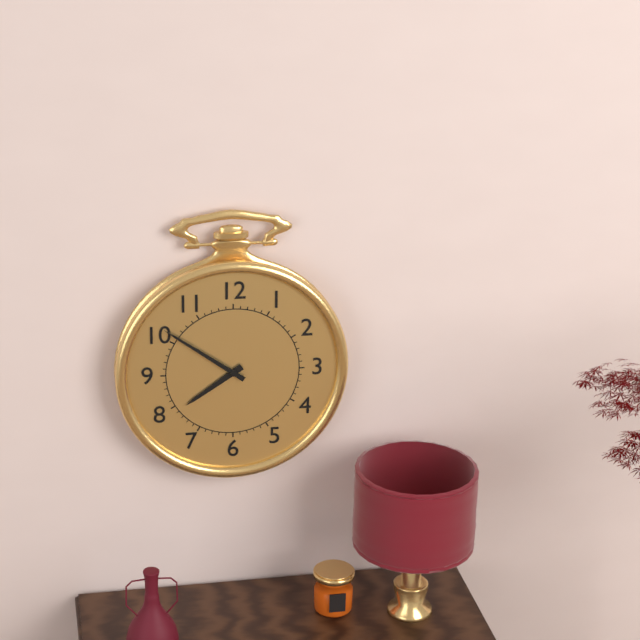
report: 7,51
